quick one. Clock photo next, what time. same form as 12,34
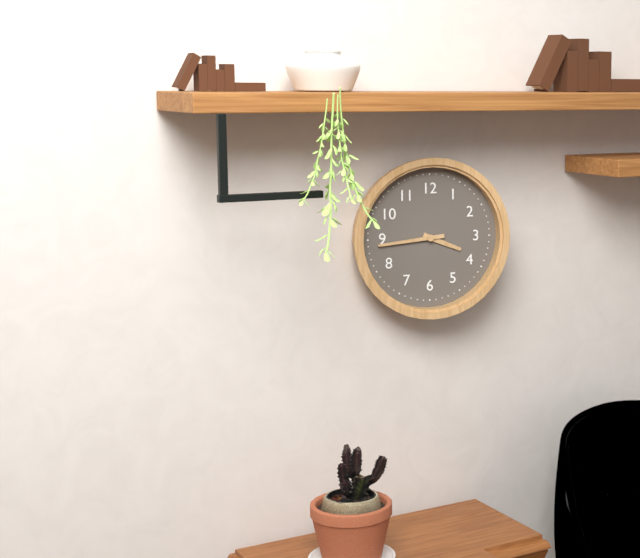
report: 3,44
